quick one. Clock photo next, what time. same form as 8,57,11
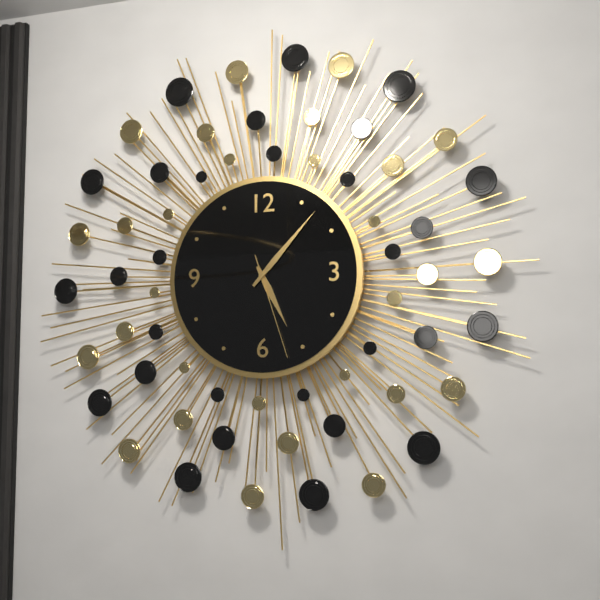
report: 5,07,27
